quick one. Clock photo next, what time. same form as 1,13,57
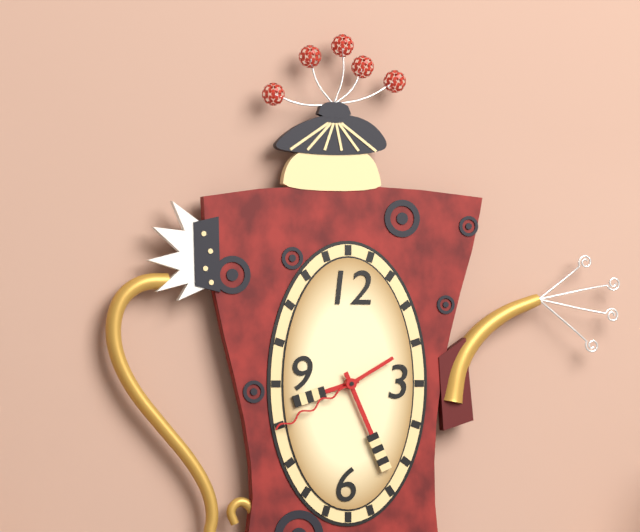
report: 8,26,40
